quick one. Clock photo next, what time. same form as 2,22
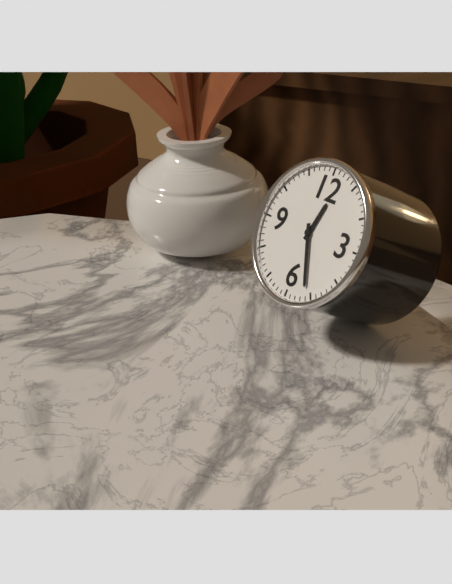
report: 12,26
